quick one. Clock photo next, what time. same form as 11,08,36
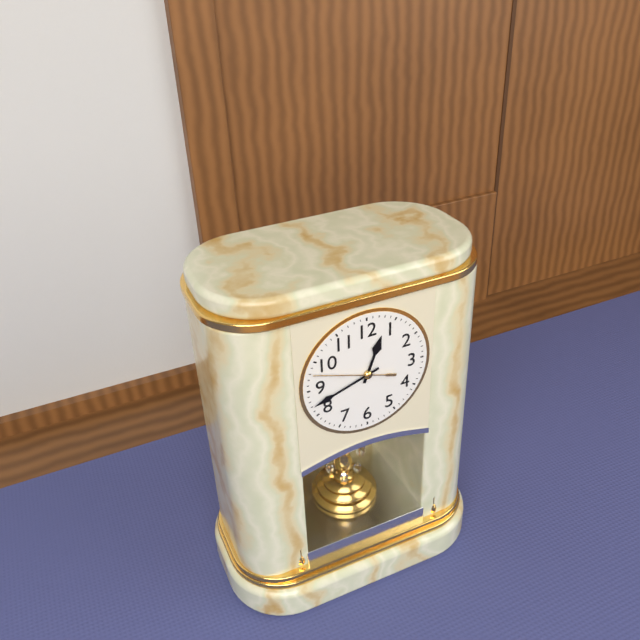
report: 12,42,48
